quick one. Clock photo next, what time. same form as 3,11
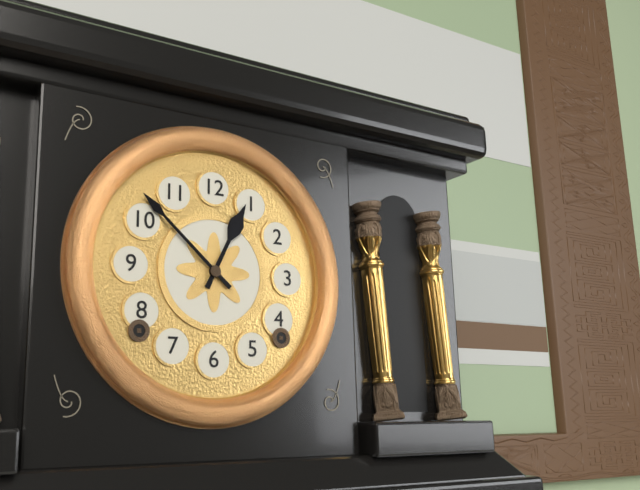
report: 12,52
